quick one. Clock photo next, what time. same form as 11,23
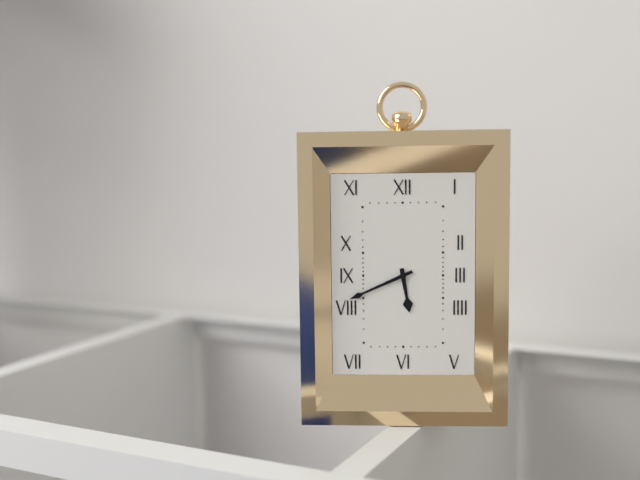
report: 5,41
